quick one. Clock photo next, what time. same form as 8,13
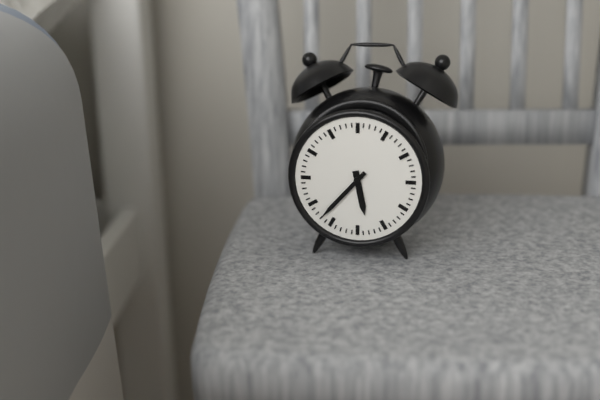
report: 5,37
